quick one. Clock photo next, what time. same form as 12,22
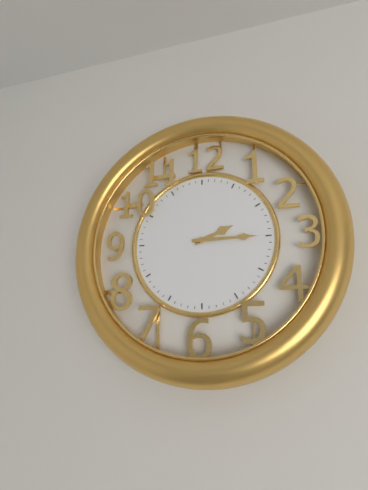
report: 2,15
